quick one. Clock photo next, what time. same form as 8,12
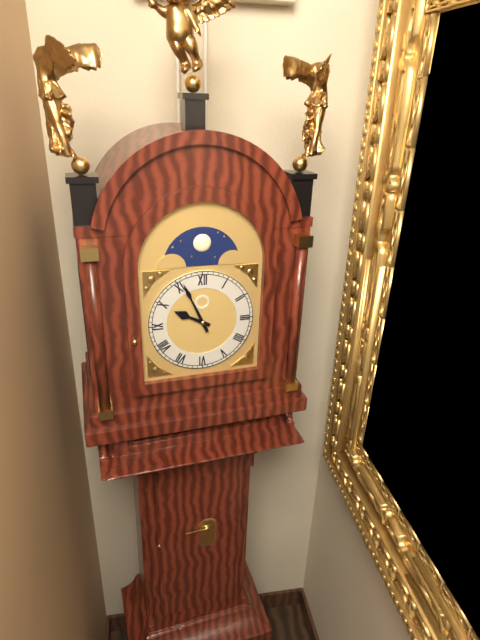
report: 9,56
